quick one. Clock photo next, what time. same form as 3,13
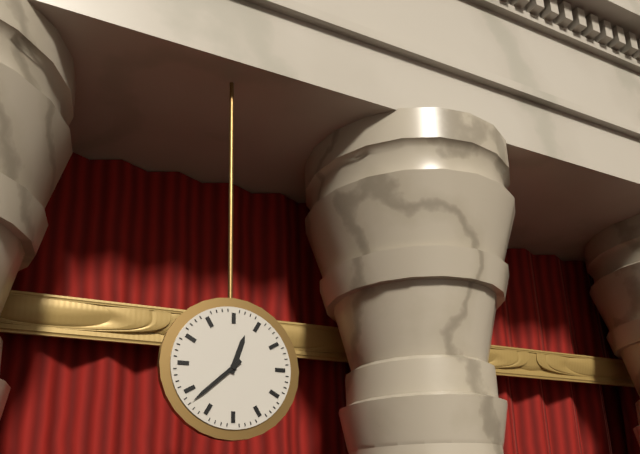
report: 12,38
